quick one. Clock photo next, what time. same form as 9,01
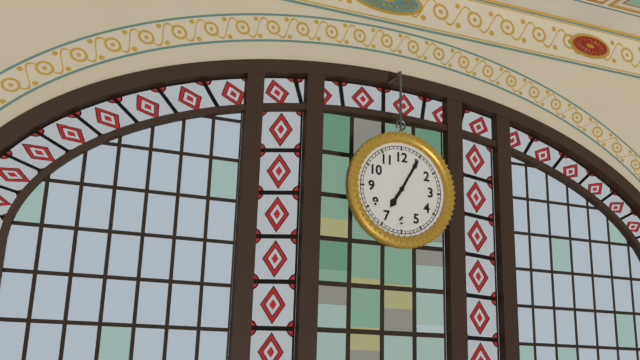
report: 7,05
